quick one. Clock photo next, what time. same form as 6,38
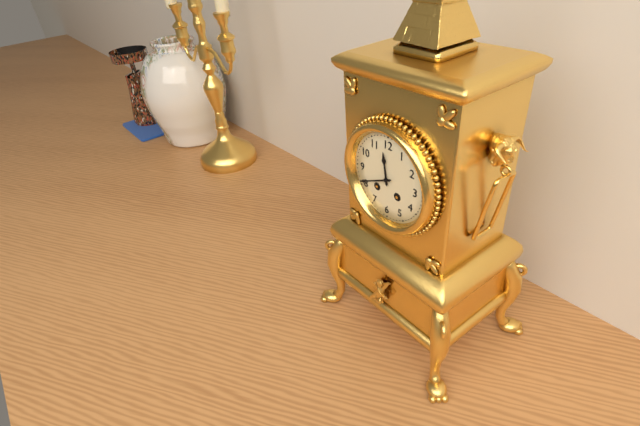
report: 11,41
